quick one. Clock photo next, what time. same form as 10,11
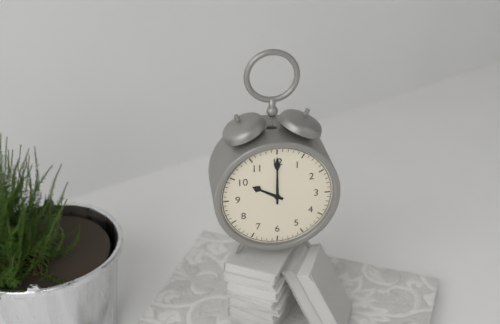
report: 10,00
